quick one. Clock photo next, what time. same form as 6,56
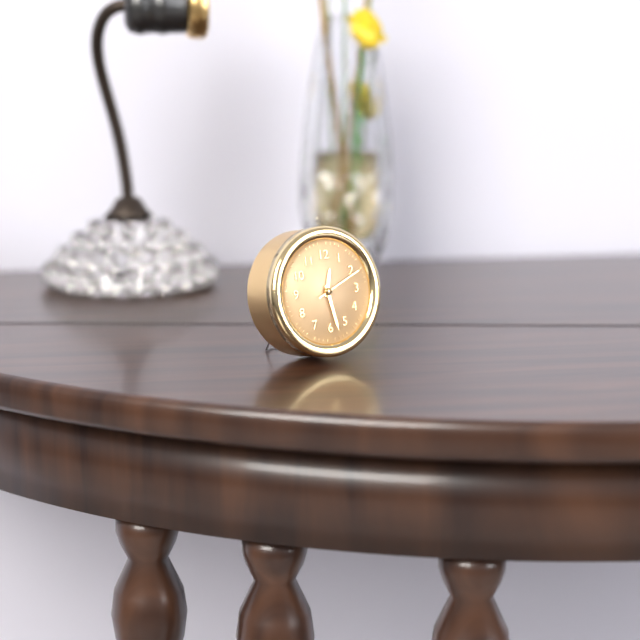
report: 12,28
